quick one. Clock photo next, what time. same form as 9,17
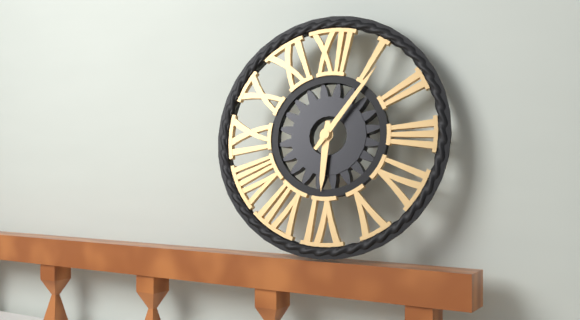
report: 6,06
